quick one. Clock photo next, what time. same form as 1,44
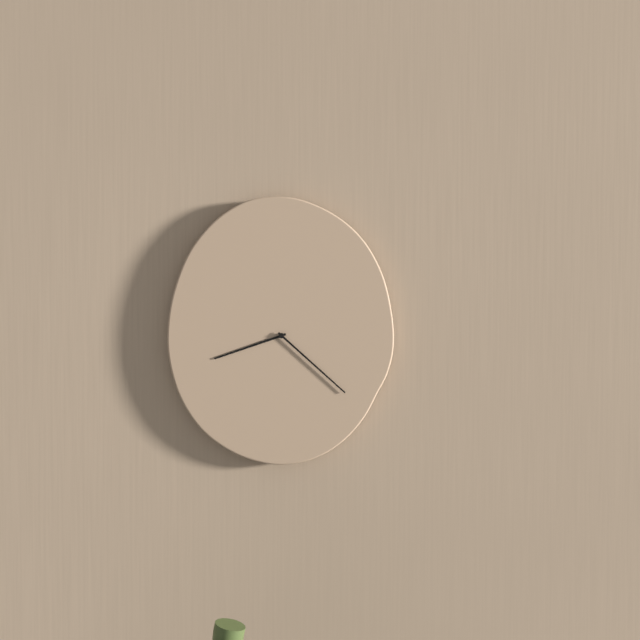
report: 8,22
